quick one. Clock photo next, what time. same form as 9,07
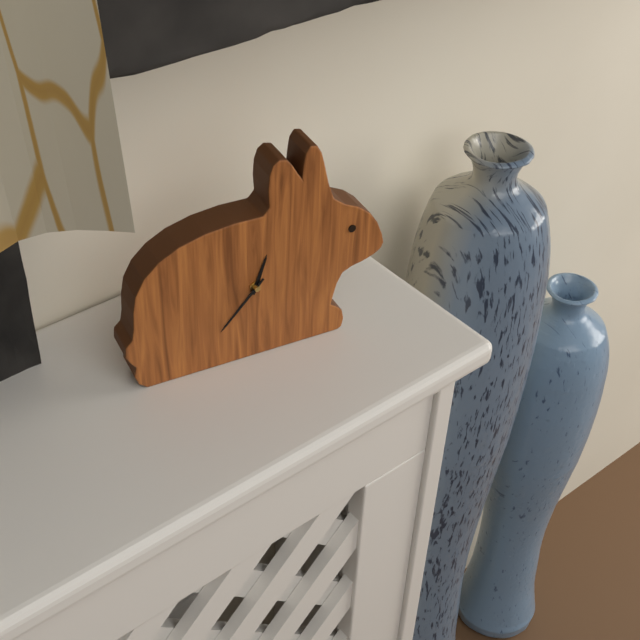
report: 12,37
